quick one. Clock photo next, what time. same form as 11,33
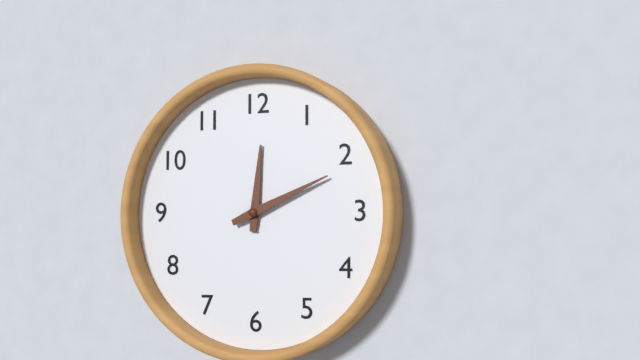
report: 12,11
